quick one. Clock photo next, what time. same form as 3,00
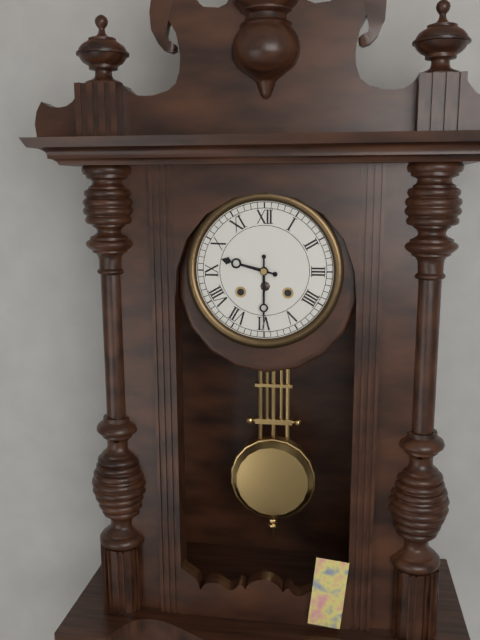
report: 9,30
